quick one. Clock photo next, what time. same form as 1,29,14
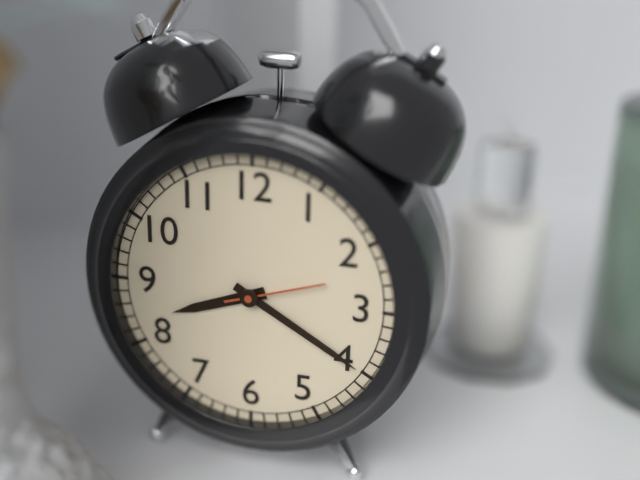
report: 8,20,12
